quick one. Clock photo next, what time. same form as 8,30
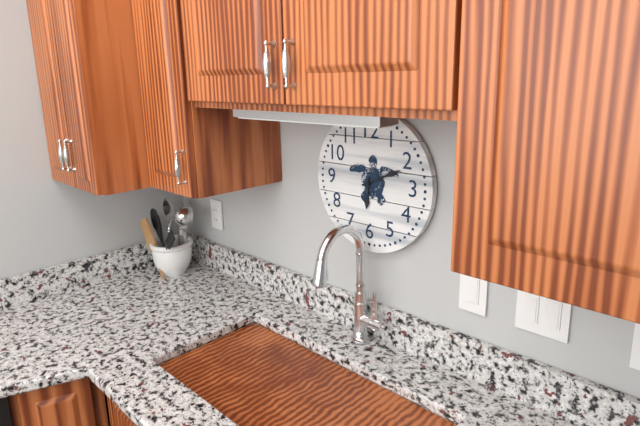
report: 6,11
